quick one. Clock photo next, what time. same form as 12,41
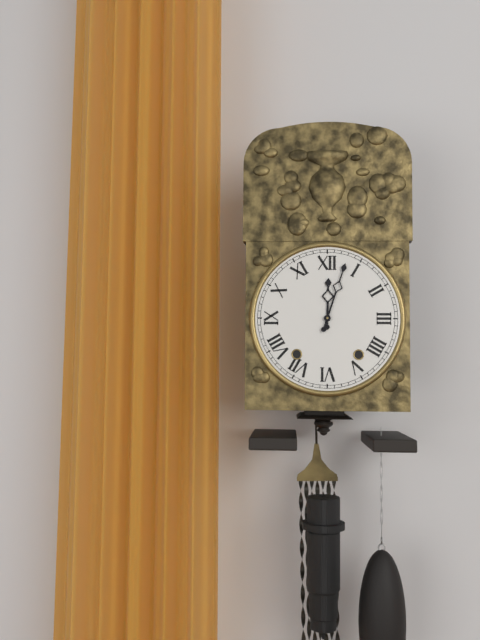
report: 12,03
